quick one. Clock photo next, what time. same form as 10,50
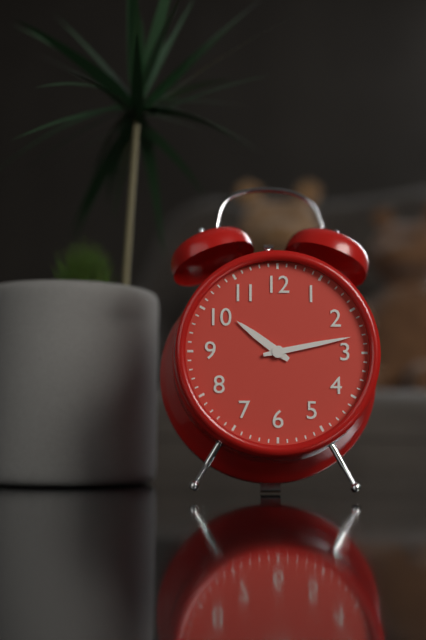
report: 10,13
